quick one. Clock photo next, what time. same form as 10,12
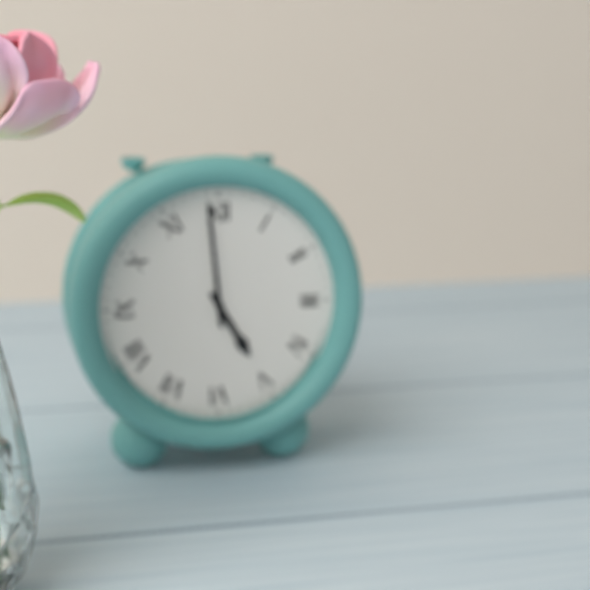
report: 4,59
